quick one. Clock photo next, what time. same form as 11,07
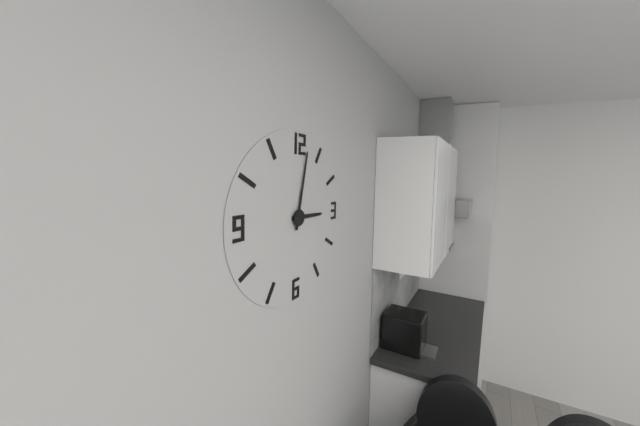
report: 3,02
